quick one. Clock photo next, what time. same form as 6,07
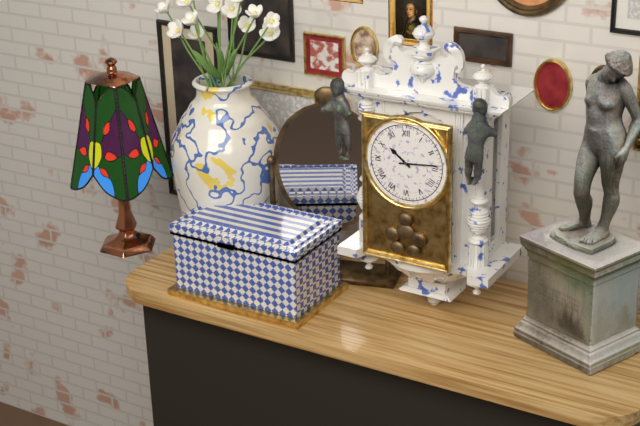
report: 10,14
